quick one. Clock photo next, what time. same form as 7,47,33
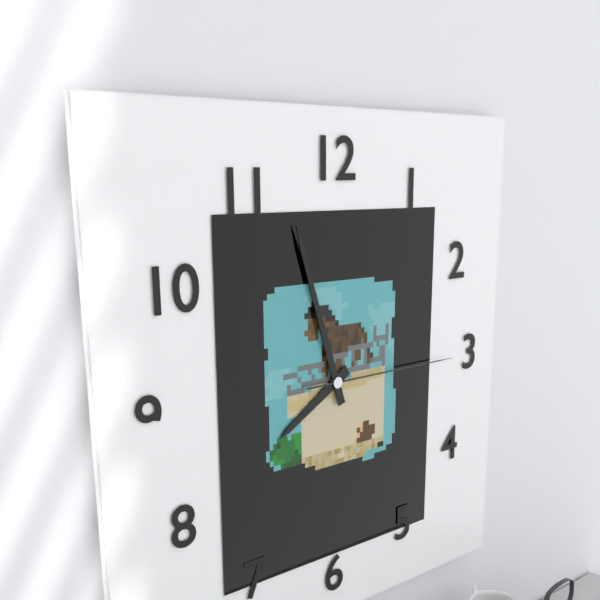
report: 7,57,15
